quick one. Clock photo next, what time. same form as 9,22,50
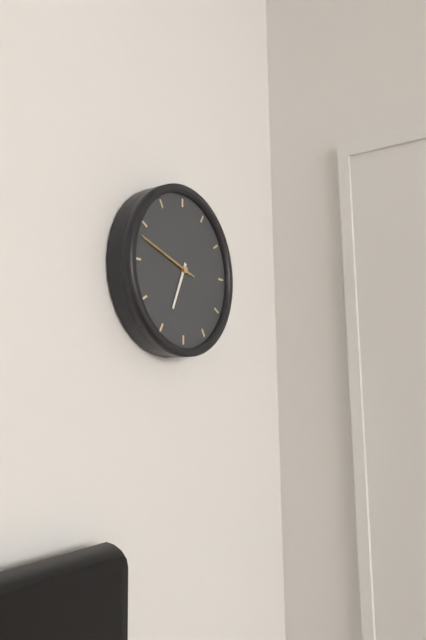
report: 6,48,48
